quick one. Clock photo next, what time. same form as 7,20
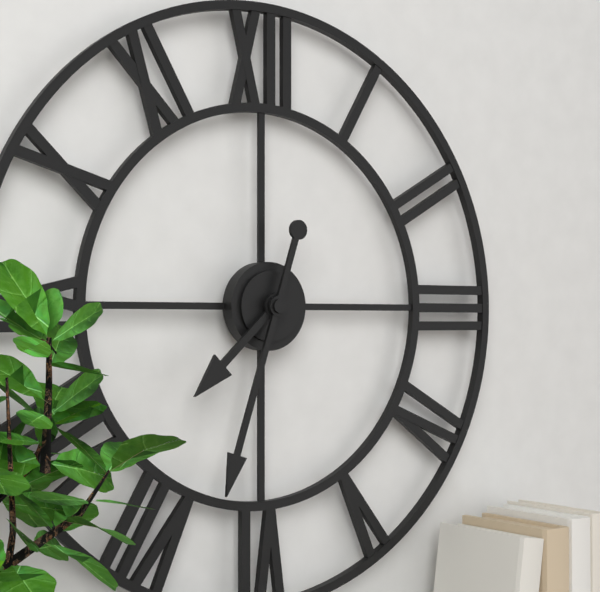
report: 7,33
